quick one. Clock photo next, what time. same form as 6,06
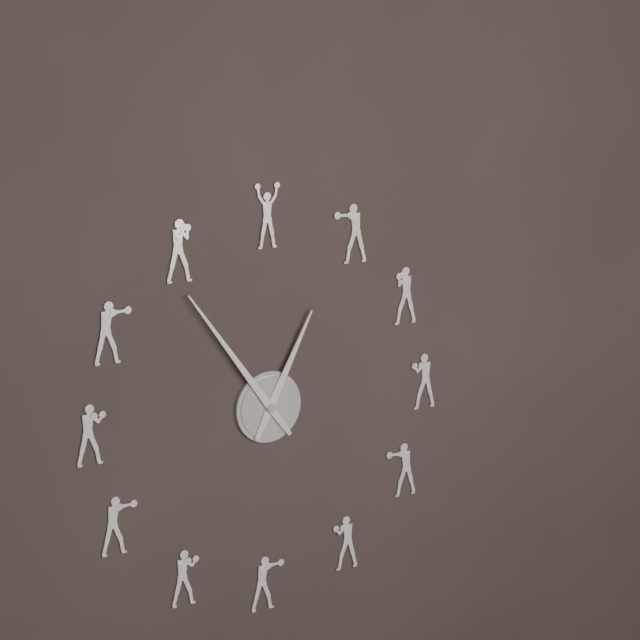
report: 12,54
